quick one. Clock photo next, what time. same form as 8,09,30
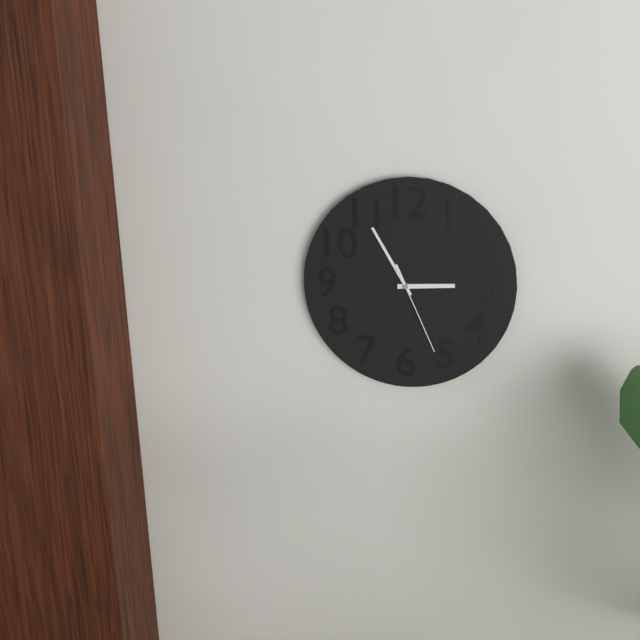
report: 2,55,26
